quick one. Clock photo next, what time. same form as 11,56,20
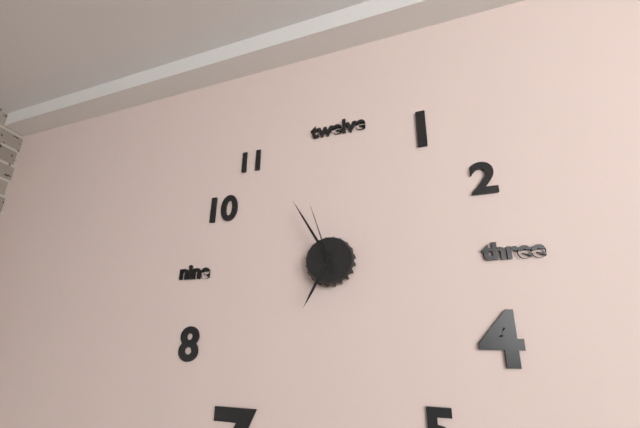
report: 6,55,57
